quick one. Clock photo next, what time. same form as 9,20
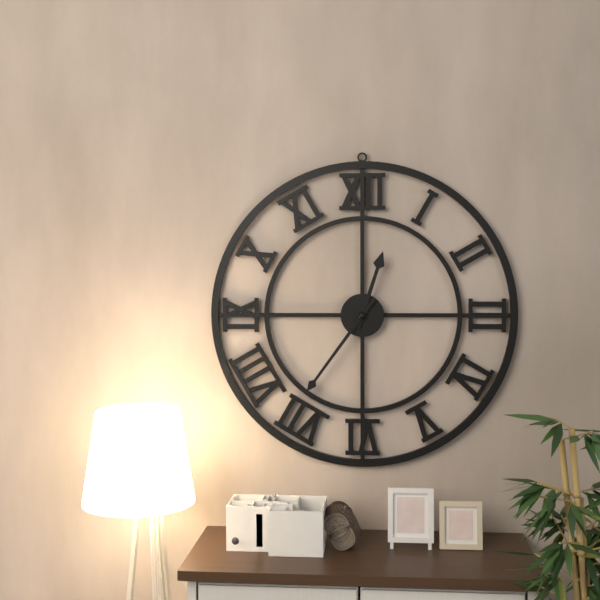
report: 12,36
